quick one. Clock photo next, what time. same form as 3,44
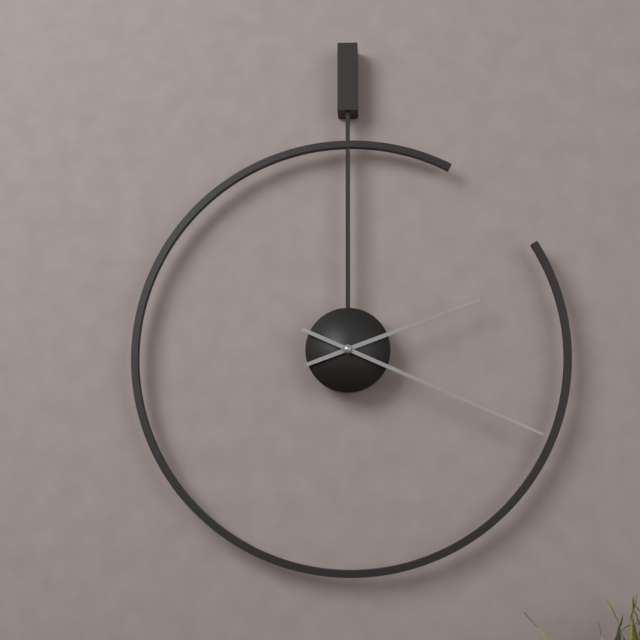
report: 2,19
